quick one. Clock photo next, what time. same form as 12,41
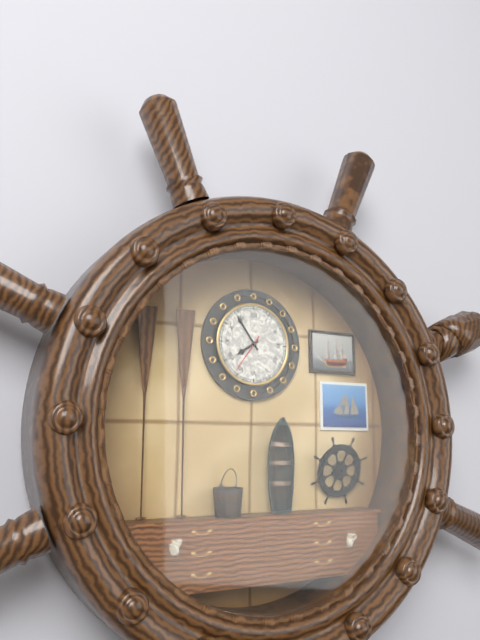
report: 7,54
